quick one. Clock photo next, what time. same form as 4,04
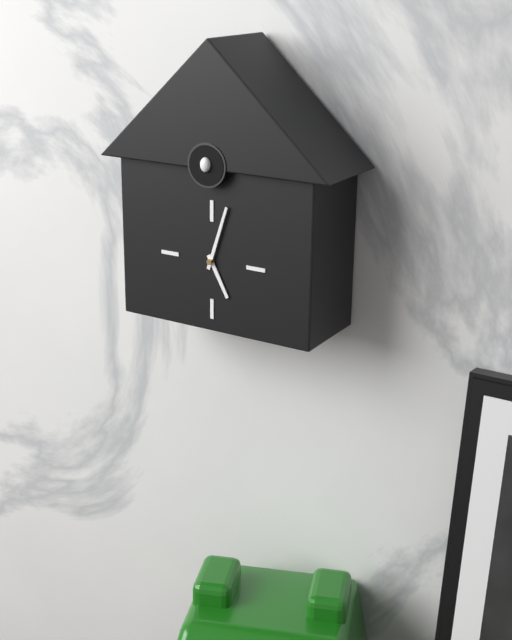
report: 5,03
